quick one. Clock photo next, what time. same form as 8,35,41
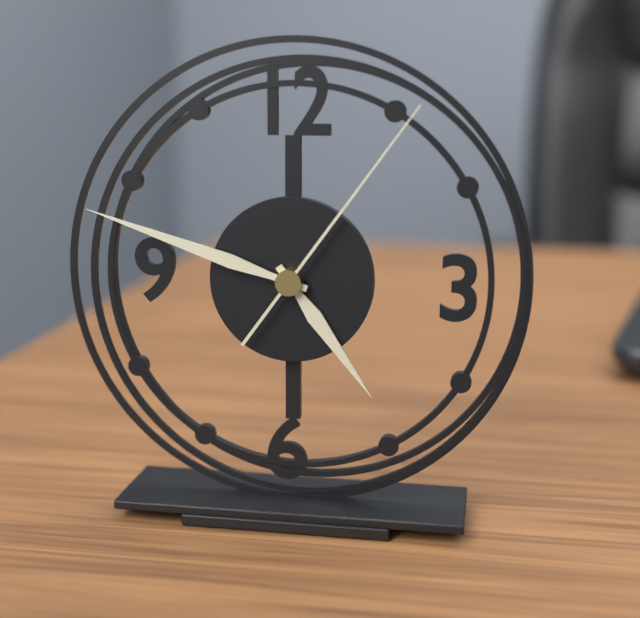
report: 4,48,06
